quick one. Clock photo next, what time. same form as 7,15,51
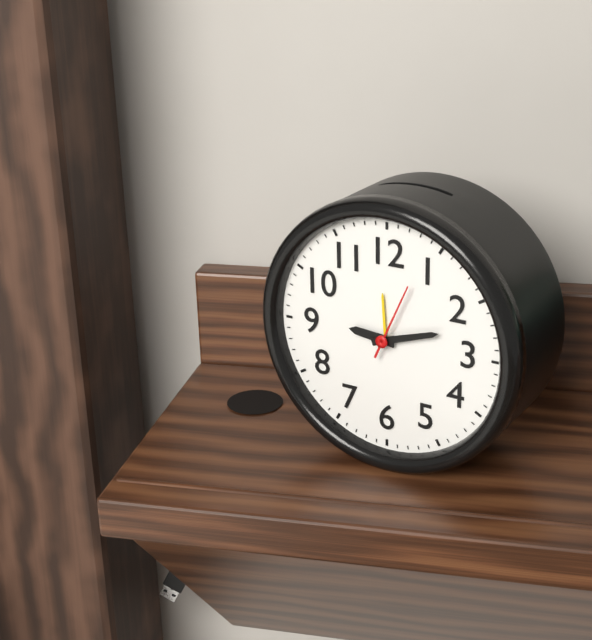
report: 9,12,04
